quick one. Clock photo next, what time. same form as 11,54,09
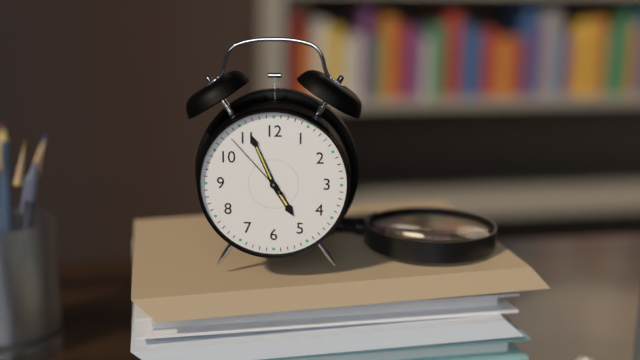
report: 4,56,53
